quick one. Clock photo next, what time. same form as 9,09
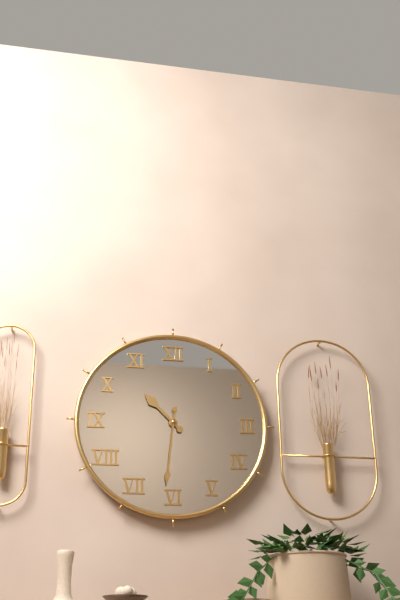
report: 10,31
